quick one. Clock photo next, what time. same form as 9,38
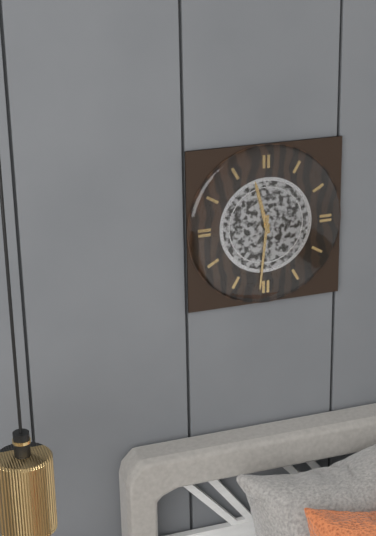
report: 11,31
